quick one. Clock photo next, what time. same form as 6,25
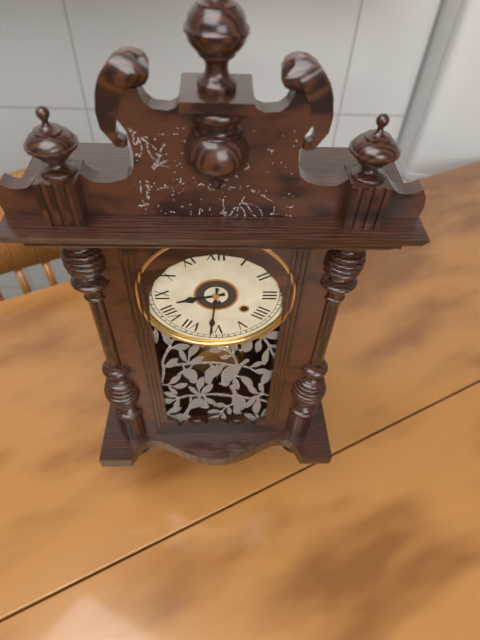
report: 8,31
